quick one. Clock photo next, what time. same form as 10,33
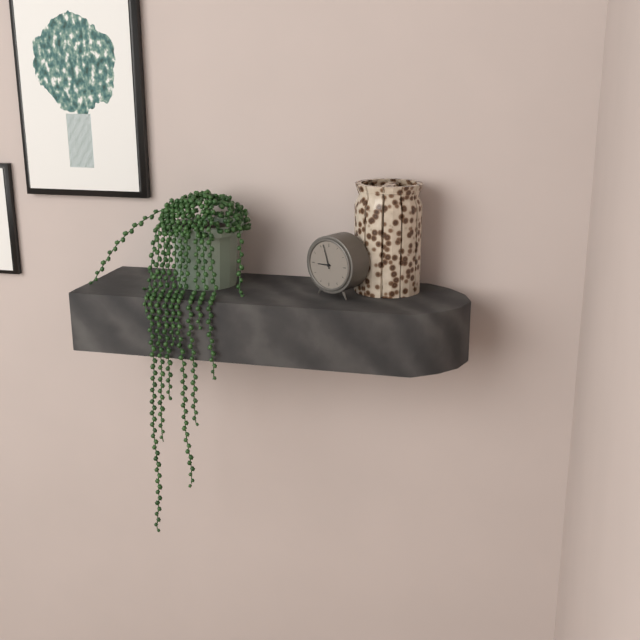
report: 8,57
